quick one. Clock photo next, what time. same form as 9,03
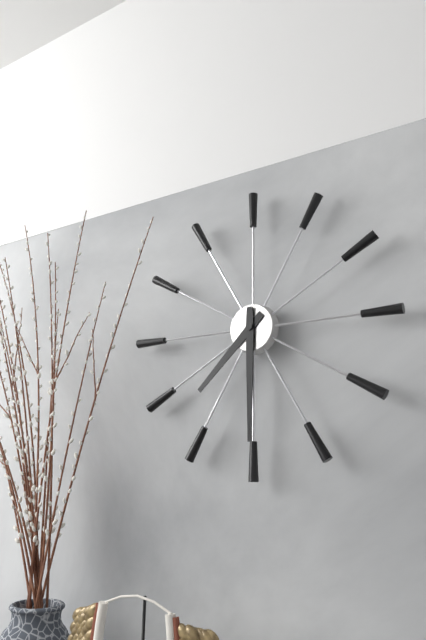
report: 7,30
